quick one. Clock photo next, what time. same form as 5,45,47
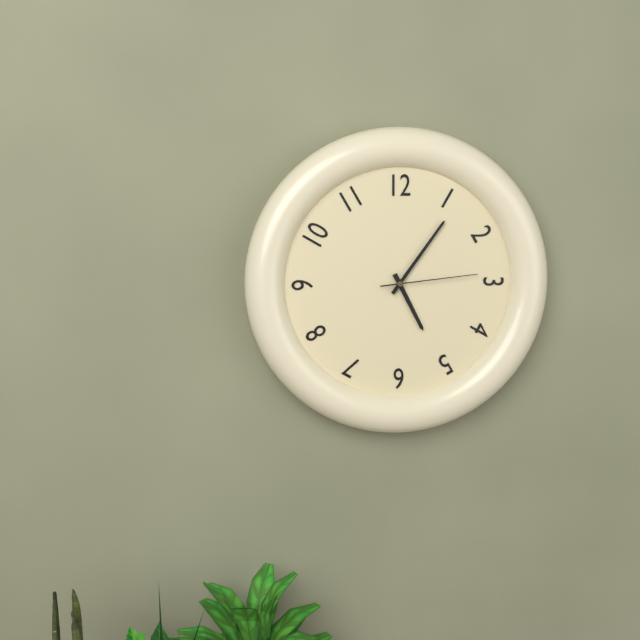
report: 5,06,14
